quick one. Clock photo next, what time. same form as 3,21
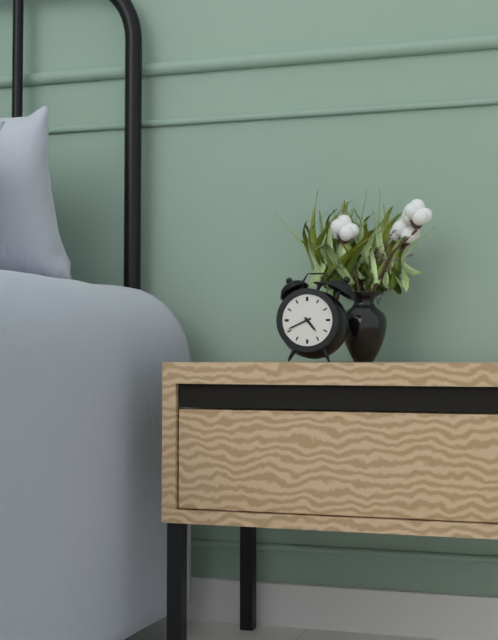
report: 4,41
